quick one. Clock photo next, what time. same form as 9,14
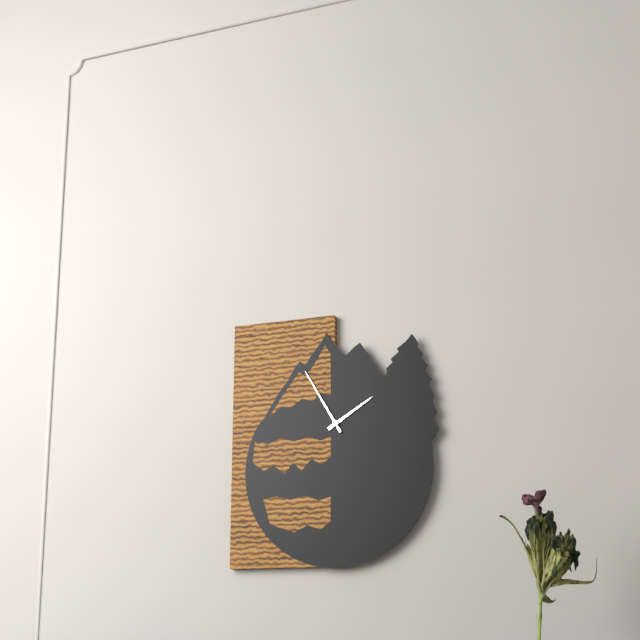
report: 1,55
